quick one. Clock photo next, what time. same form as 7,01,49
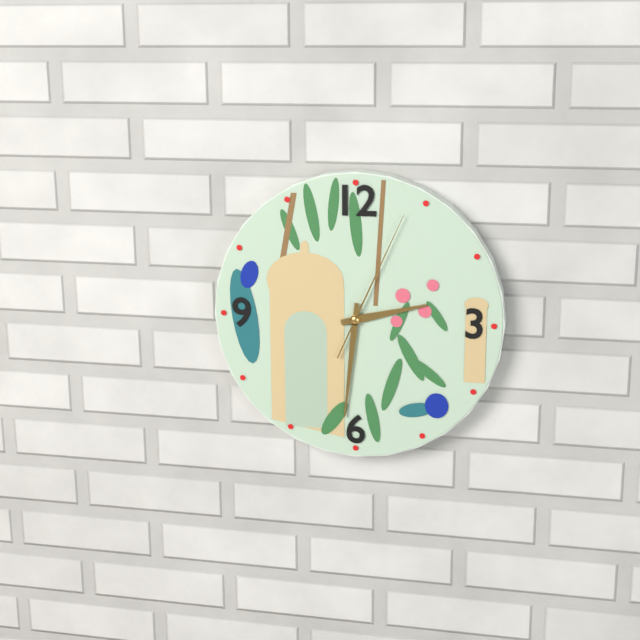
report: 2,31,04
